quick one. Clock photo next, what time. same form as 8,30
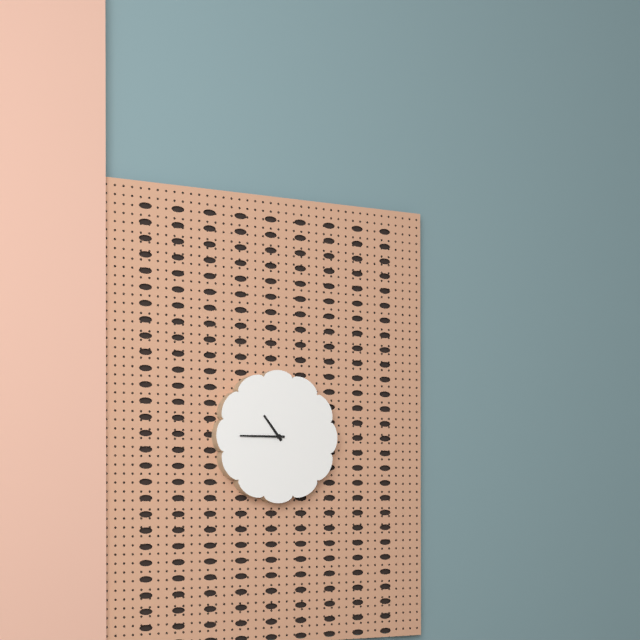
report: 10,45
